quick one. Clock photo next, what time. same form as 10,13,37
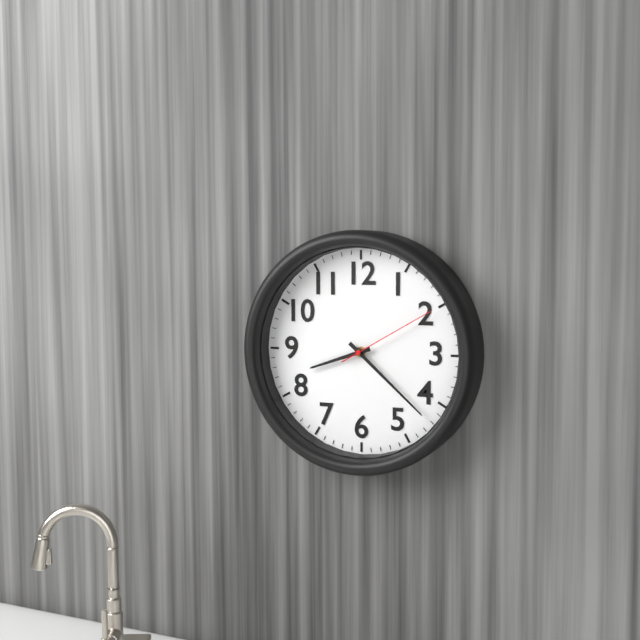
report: 8,22,10
